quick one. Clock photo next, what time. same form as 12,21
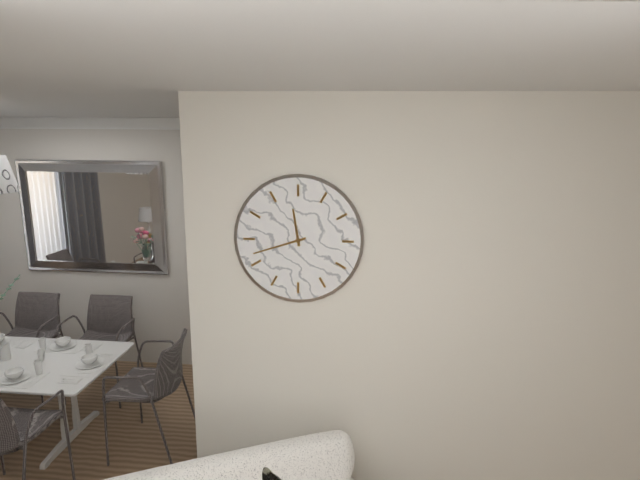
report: 11,42
